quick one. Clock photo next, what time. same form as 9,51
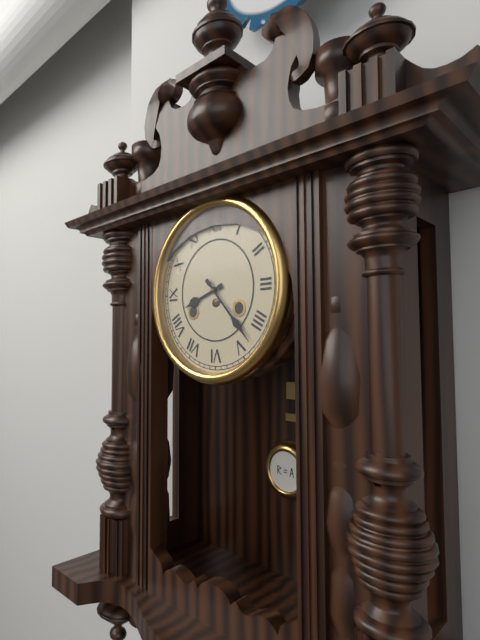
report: 8,23
